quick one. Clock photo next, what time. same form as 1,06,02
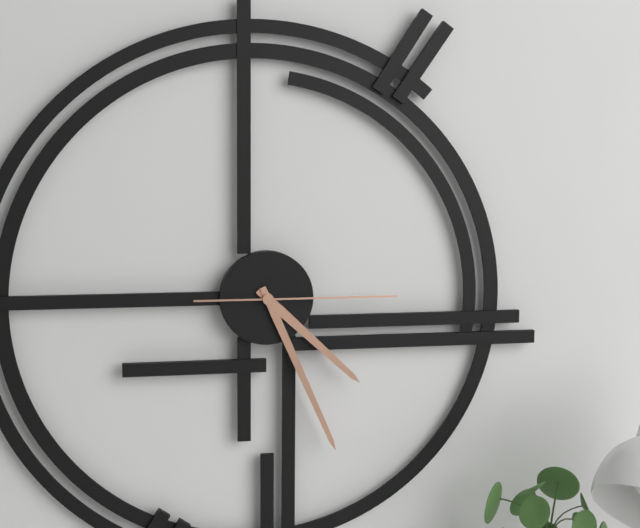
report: 4,26,15
